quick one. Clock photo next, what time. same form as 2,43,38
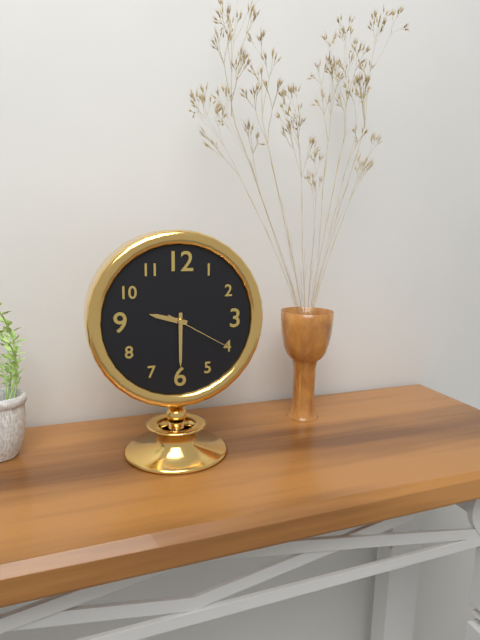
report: 9,30,20
